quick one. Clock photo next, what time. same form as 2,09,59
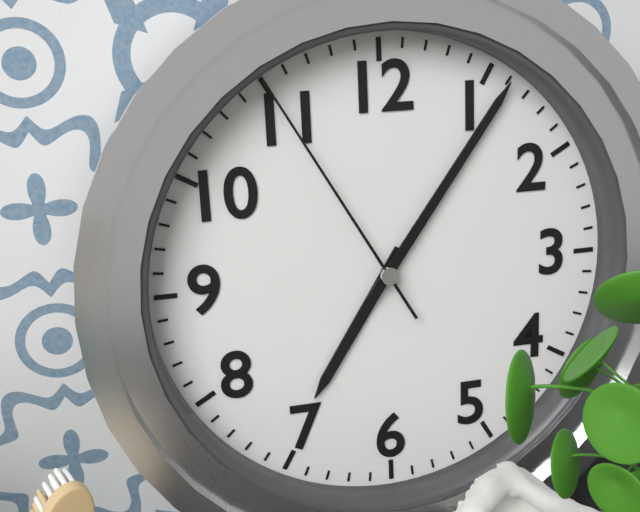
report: 7,06,55
